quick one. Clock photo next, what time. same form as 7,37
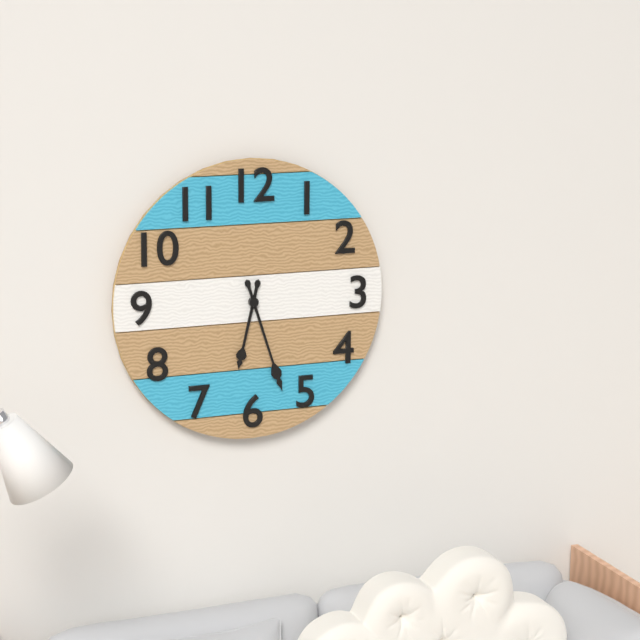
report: 6,27
